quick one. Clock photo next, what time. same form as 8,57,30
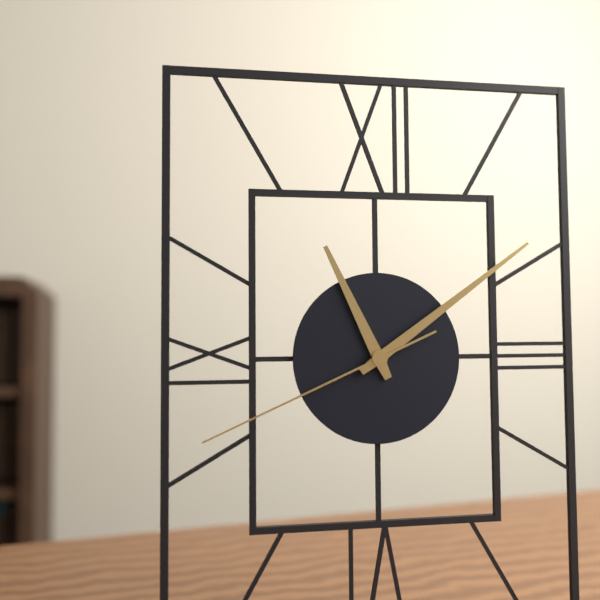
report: 11,09,41
